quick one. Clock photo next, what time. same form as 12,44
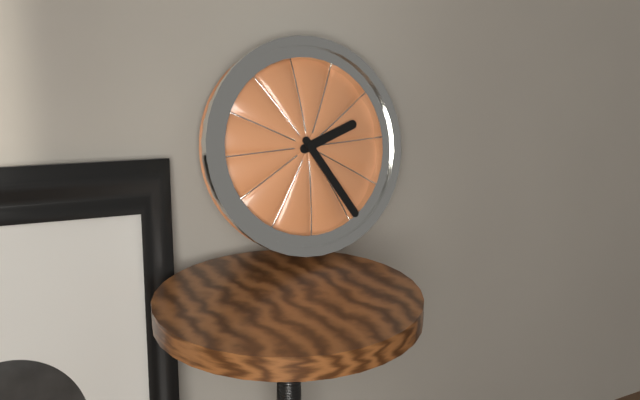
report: 2,25
